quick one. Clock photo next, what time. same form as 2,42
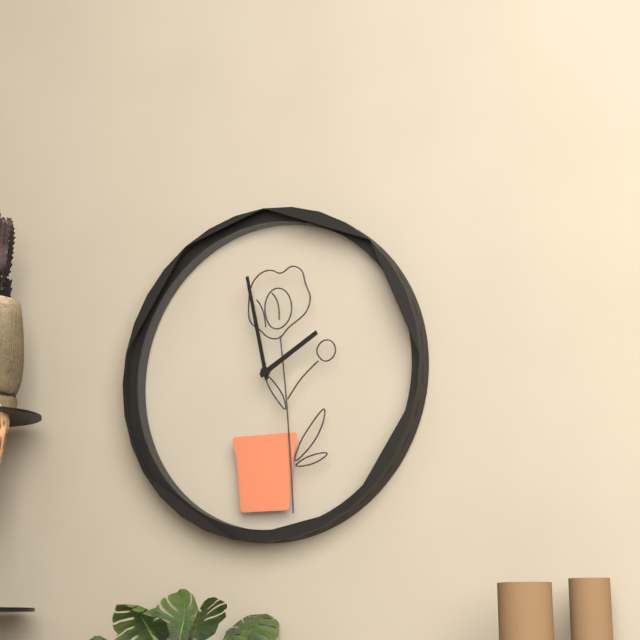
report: 1,58
